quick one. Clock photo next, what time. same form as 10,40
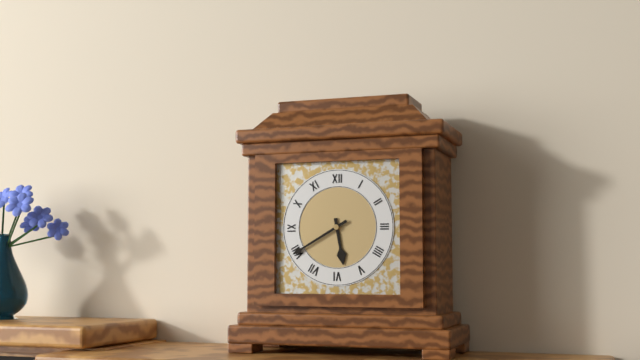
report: 5,40
